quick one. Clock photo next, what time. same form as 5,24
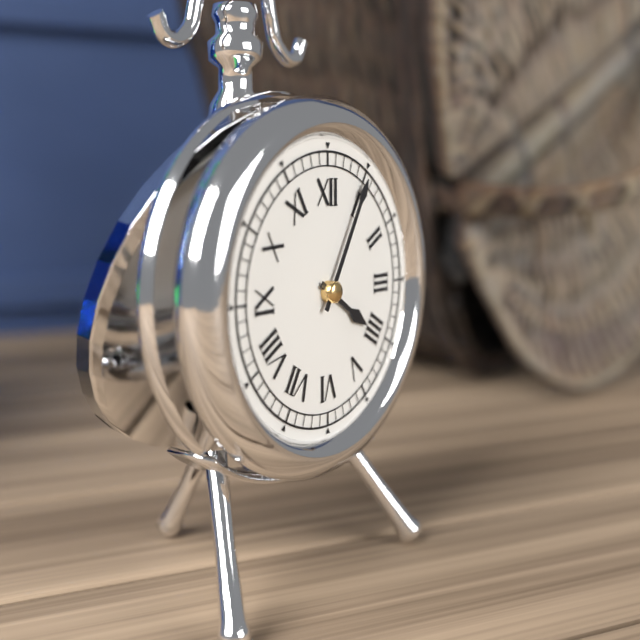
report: 4,05
